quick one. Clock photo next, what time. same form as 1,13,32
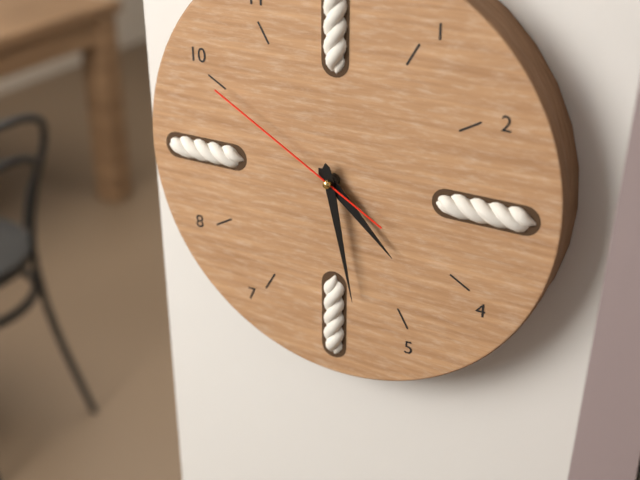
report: 4,28,50
